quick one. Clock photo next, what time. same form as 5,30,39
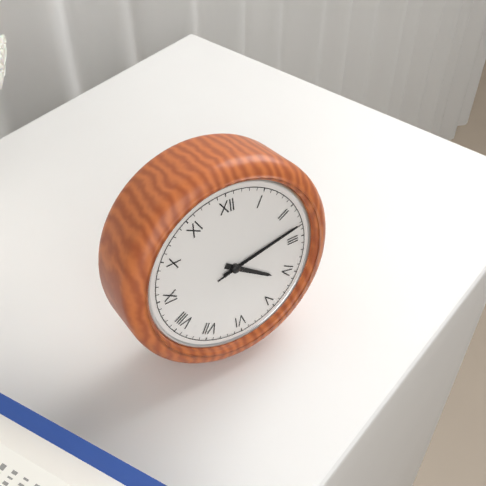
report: 4,13,13
